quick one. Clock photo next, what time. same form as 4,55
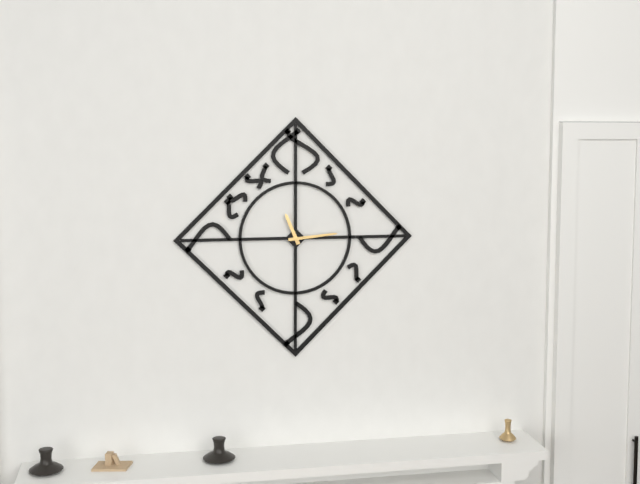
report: 11,14
